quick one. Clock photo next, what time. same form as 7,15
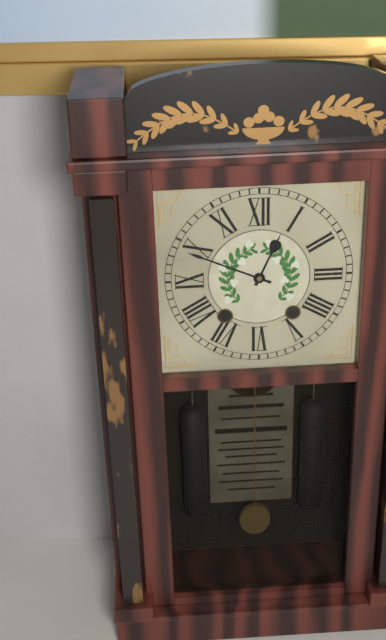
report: 12,49
